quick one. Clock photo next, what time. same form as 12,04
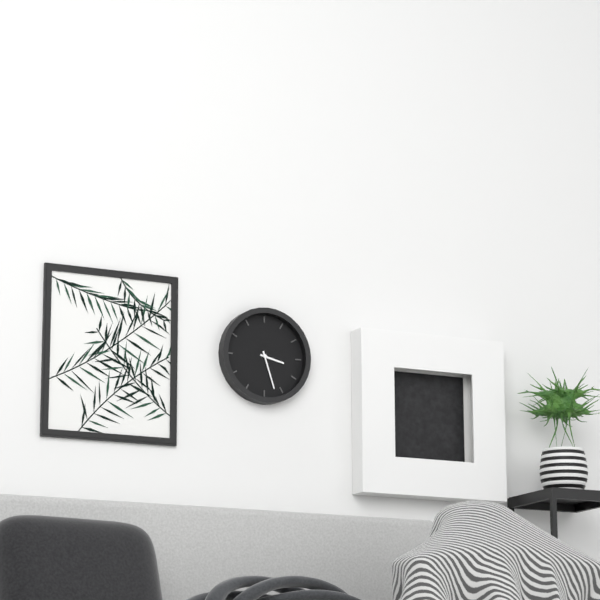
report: 3,27
